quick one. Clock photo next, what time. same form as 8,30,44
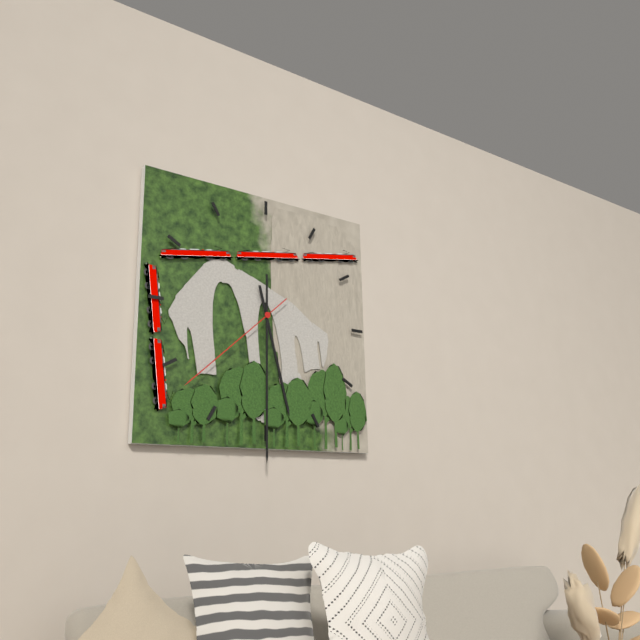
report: 5,30,38
